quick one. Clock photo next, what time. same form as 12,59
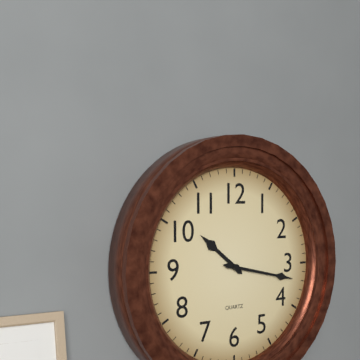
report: 10,17
